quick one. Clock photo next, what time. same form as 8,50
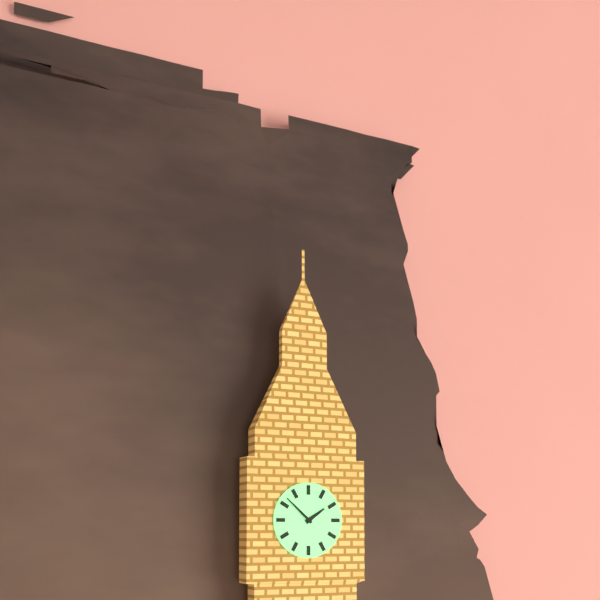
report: 1,52
